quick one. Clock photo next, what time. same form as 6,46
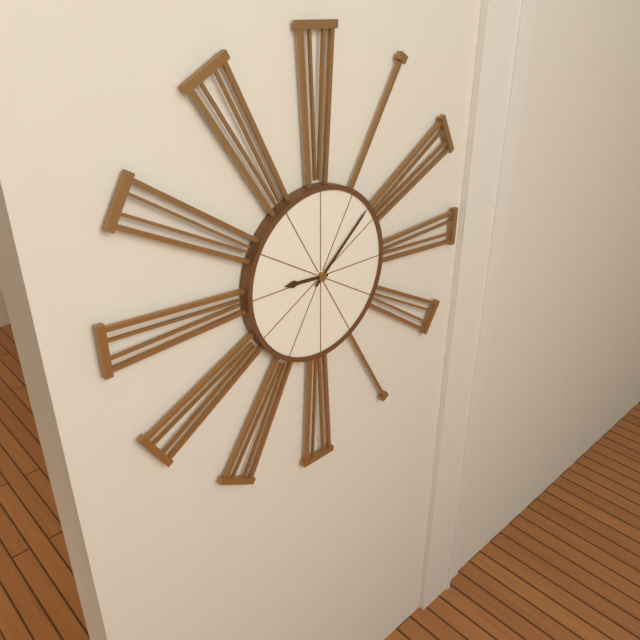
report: 9,08
